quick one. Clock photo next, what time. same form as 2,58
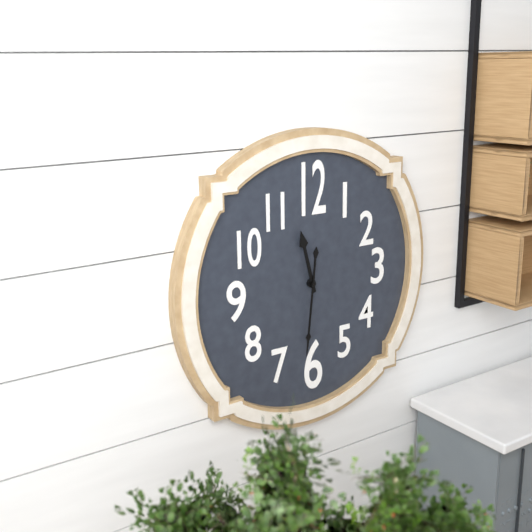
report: 11,31
